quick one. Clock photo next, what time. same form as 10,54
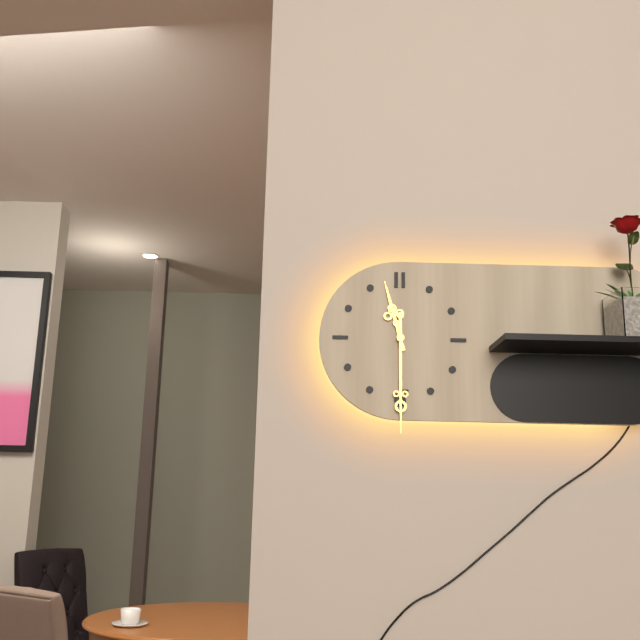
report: 11,30
